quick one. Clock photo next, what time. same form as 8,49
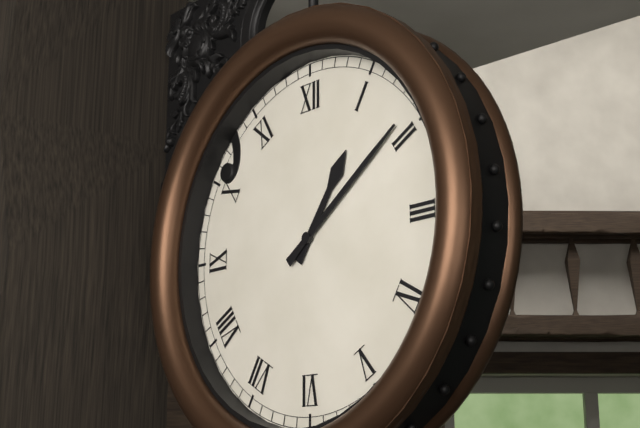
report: 1,09
